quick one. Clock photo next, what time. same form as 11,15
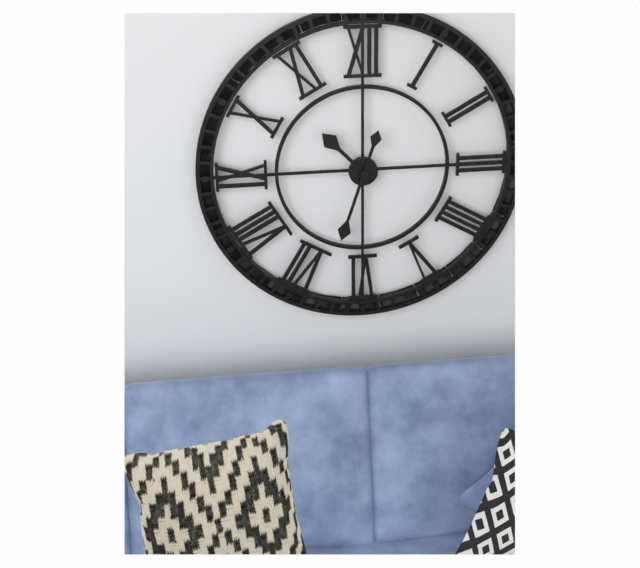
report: 10,33
